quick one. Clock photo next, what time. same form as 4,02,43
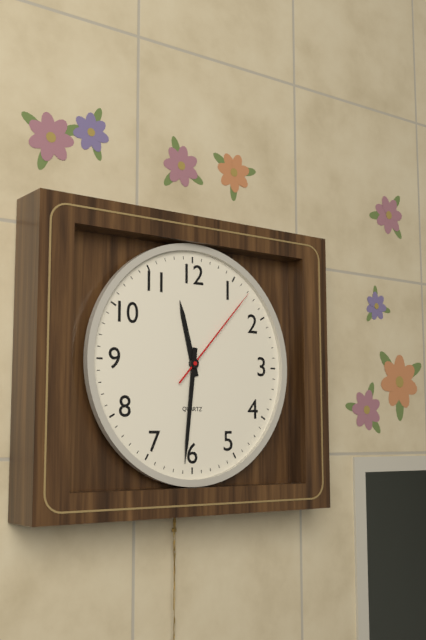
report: 11,31,07
